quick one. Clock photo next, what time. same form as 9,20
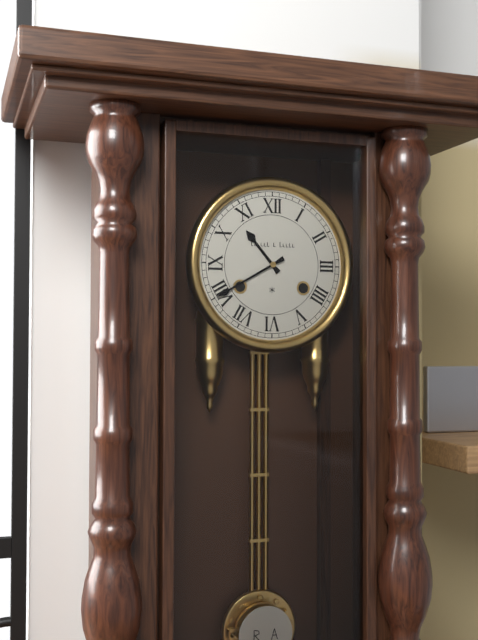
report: 10,40
